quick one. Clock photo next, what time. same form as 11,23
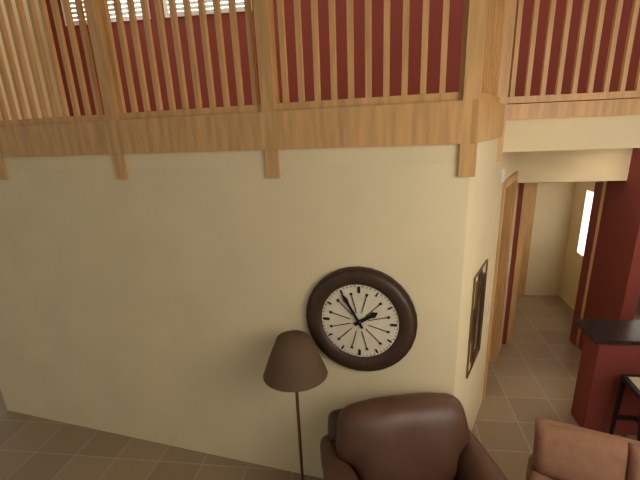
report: 1,55
